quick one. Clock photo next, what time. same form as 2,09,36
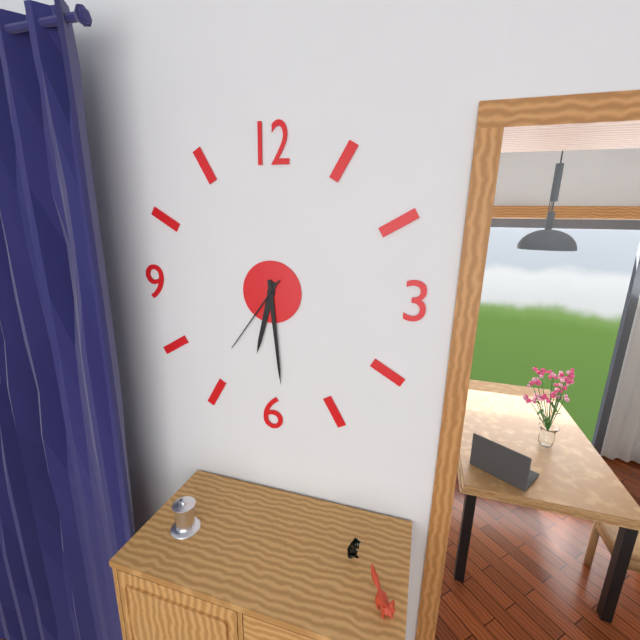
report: 6,29,36
